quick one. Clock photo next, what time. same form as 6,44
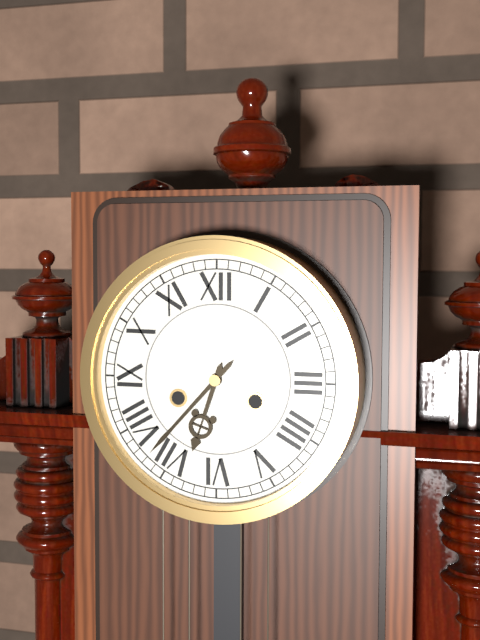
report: 6,37
